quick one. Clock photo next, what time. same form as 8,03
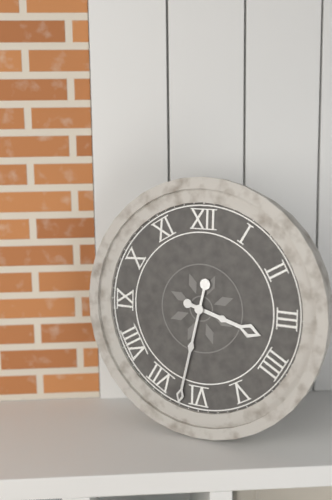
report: 3,32
